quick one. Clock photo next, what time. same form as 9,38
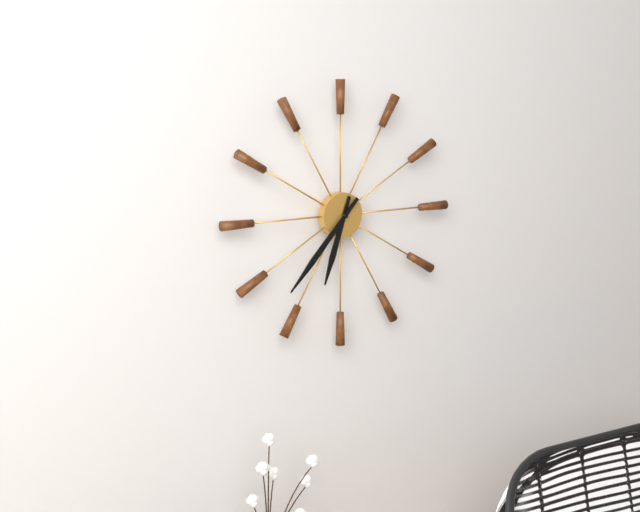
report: 6,37
